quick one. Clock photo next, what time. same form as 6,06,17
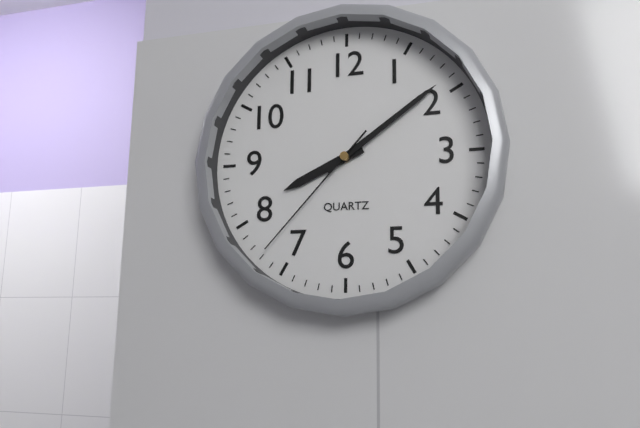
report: 8,09,37
